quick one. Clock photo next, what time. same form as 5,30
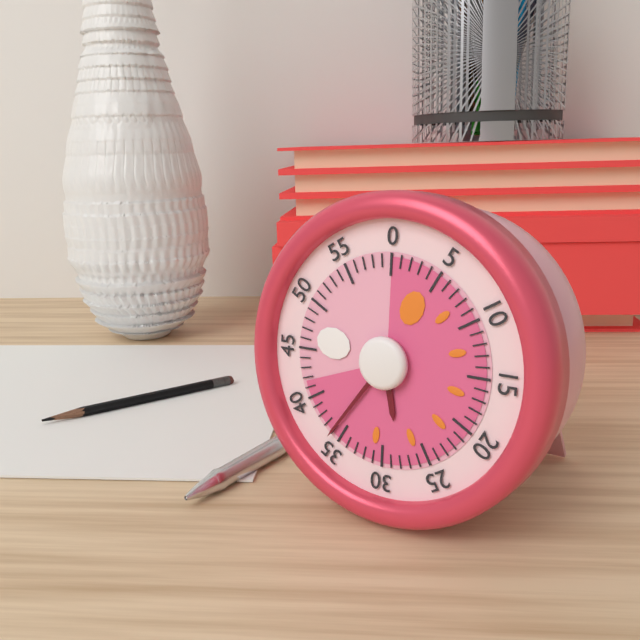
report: 5,36
